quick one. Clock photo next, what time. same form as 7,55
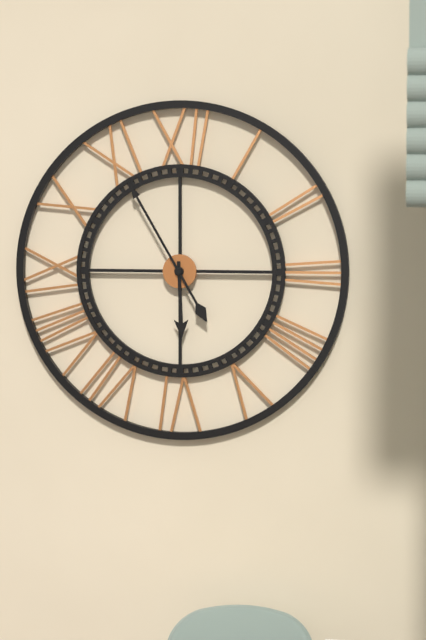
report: 5,55
